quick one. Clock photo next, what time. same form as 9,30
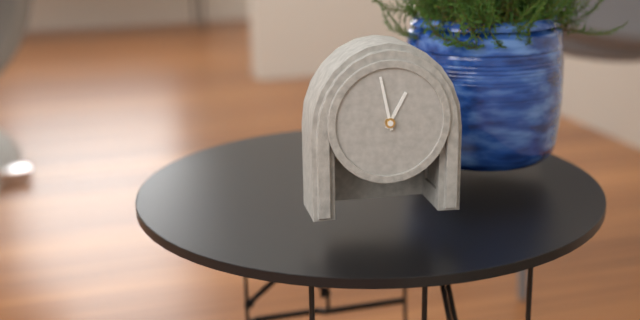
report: 12,58
